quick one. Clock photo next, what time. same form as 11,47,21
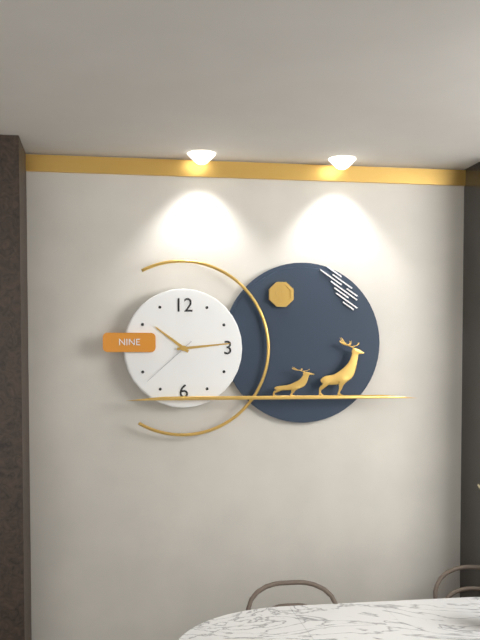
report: 10,14,38
